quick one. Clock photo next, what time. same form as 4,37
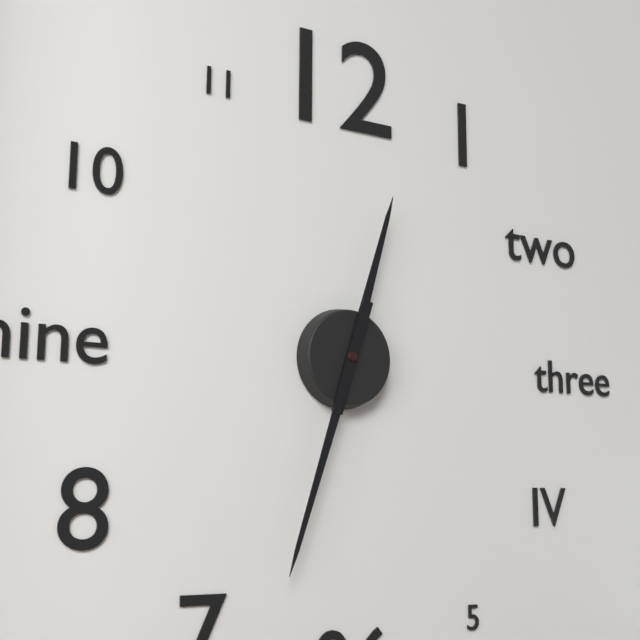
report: 12,33
